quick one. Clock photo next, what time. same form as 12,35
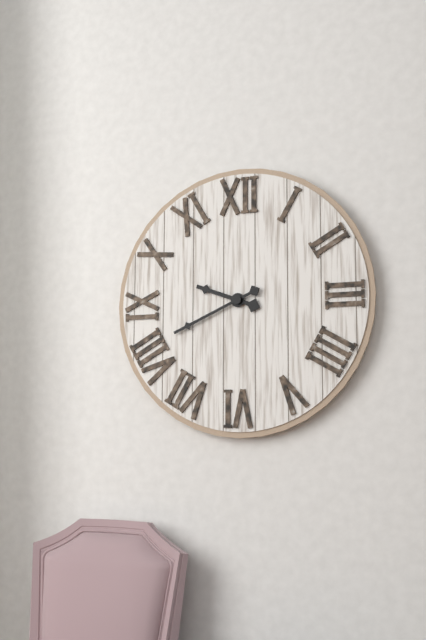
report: 9,41
